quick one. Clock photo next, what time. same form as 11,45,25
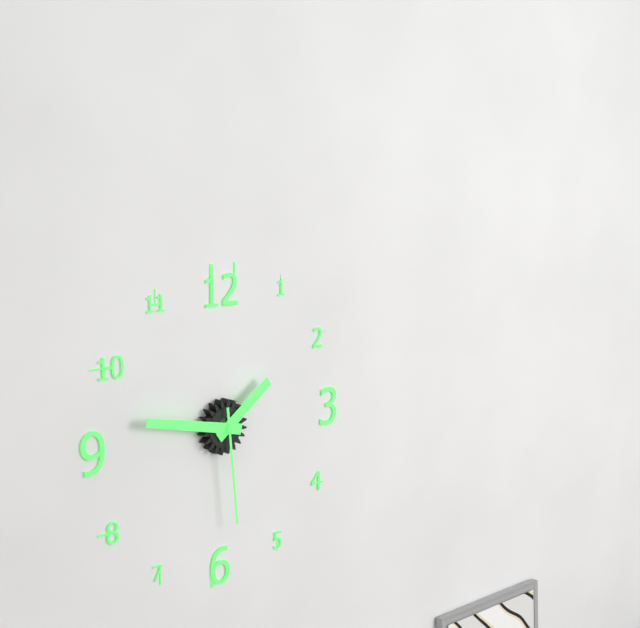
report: 1,47,29
